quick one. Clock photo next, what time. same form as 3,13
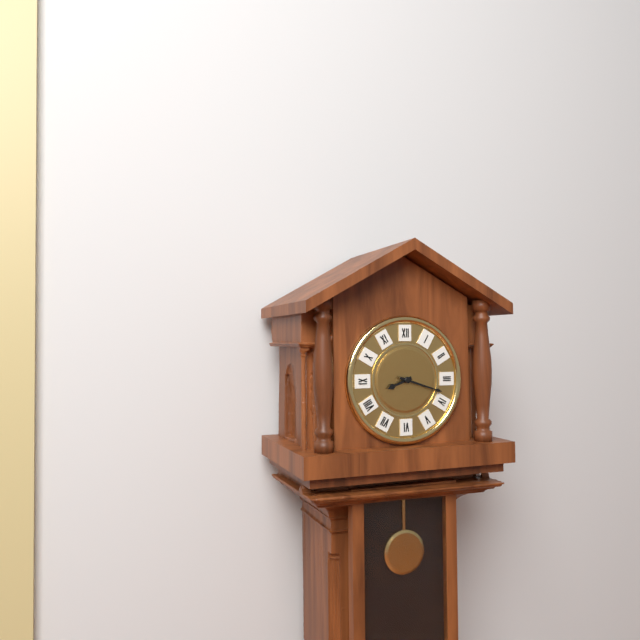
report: 8,18
